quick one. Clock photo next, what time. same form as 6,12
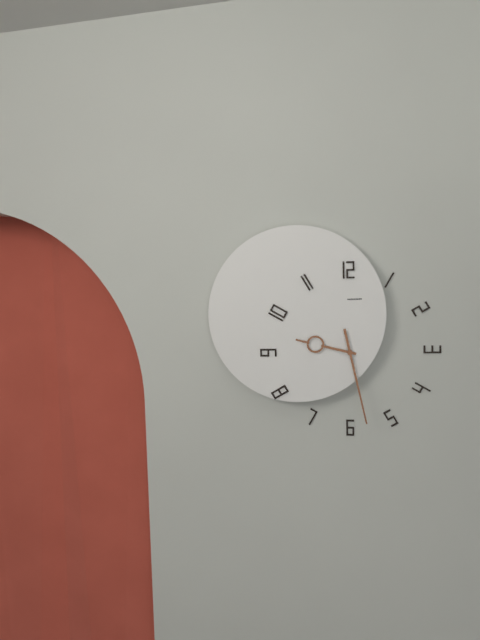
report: 9,28
